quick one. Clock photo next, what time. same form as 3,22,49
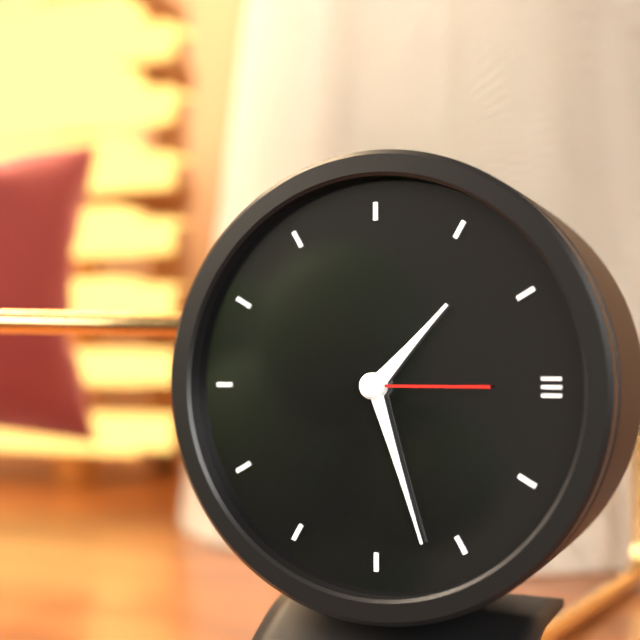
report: 1,27,15
